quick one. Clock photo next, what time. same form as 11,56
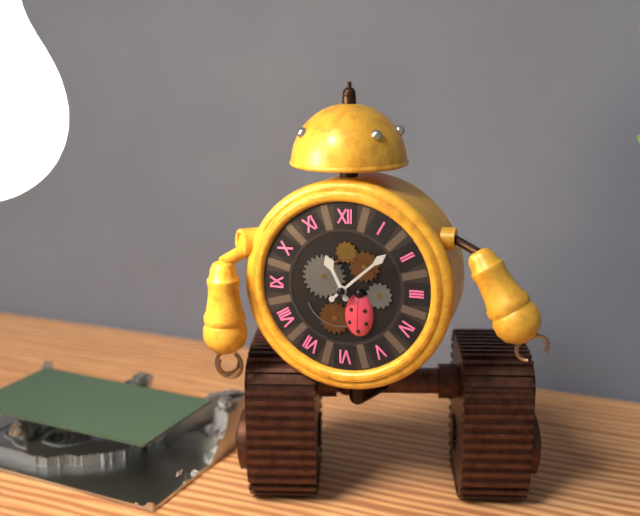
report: 11,08
